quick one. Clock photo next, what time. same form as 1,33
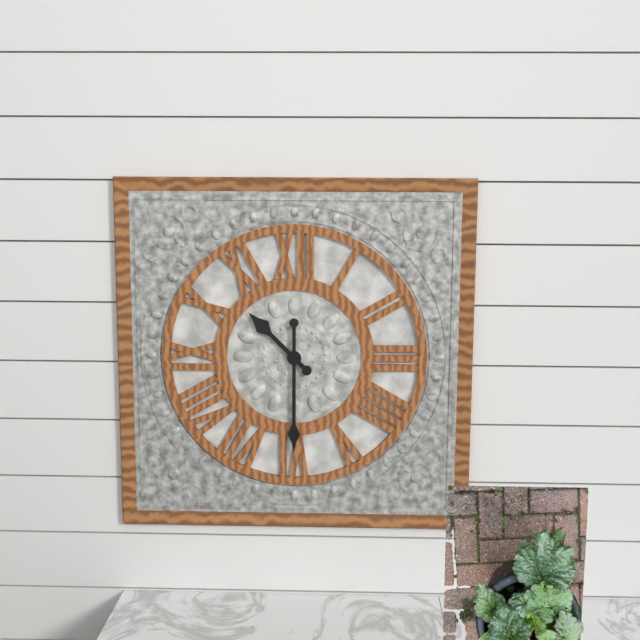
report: 10,30
